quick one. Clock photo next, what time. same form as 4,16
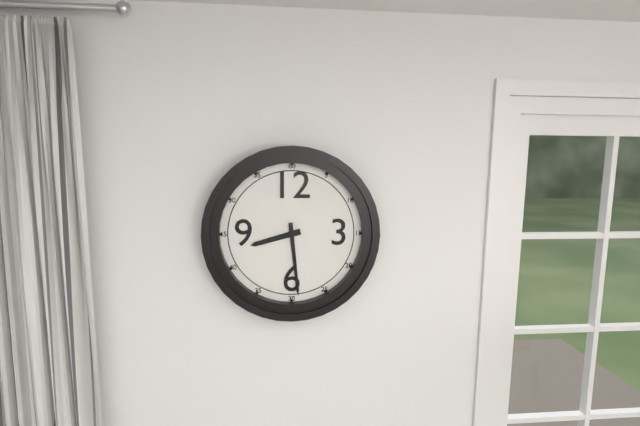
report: 8,29
